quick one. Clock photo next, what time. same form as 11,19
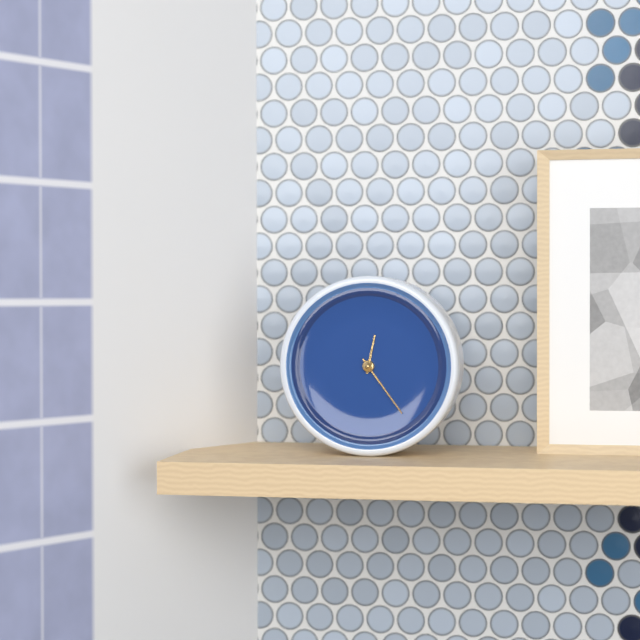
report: 12,24
